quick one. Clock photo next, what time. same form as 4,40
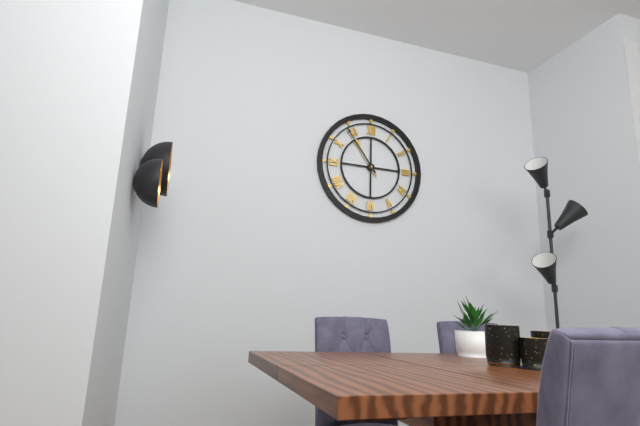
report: 10,54
